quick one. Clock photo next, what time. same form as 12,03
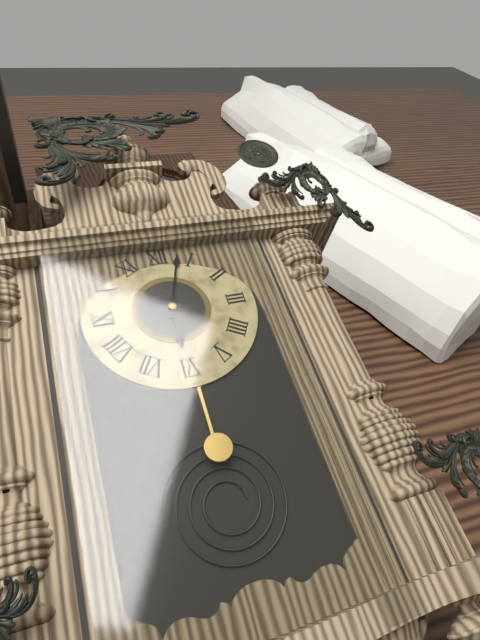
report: 6,03
